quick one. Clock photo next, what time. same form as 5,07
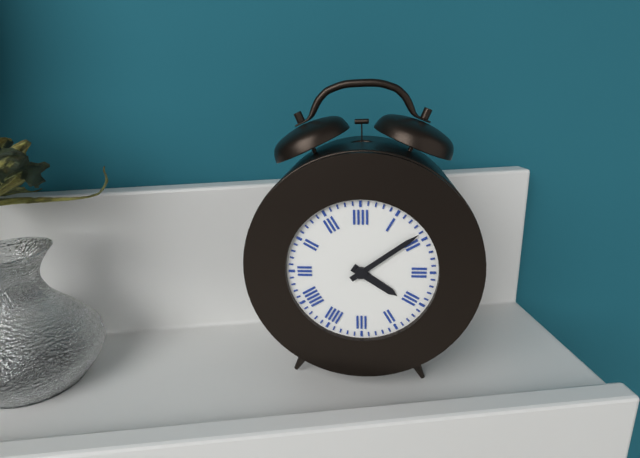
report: 4,09
